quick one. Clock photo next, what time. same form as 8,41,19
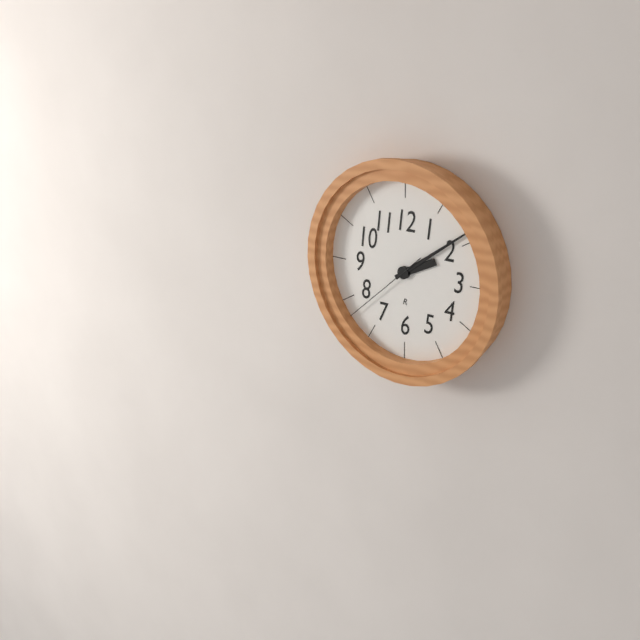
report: 2,09,38
